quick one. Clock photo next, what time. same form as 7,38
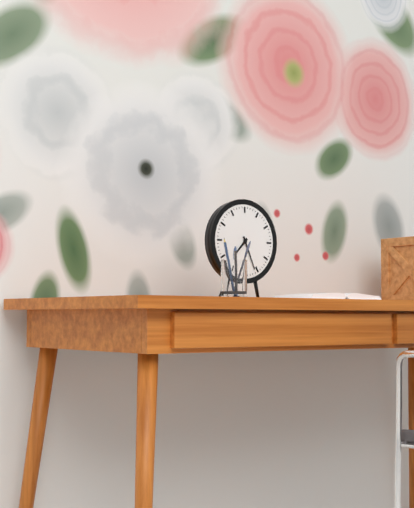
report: 7,26
